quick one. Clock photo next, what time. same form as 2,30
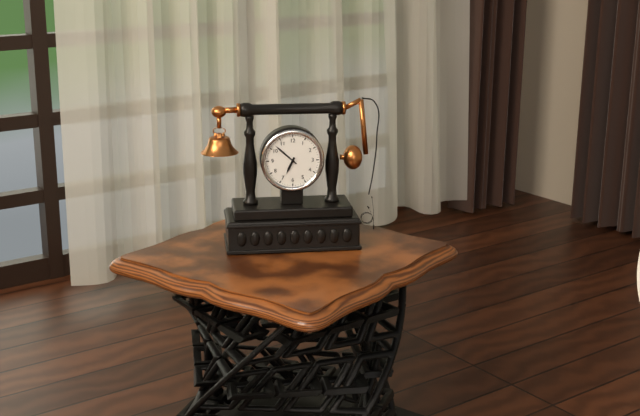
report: 6,52
